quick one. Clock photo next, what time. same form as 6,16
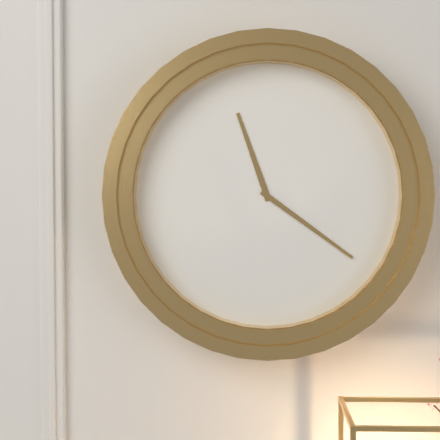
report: 11,21
